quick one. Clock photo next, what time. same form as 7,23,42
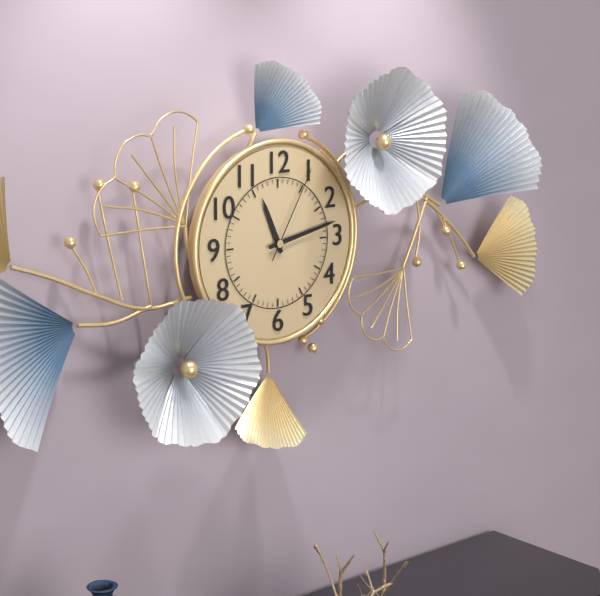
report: 11,13,05
